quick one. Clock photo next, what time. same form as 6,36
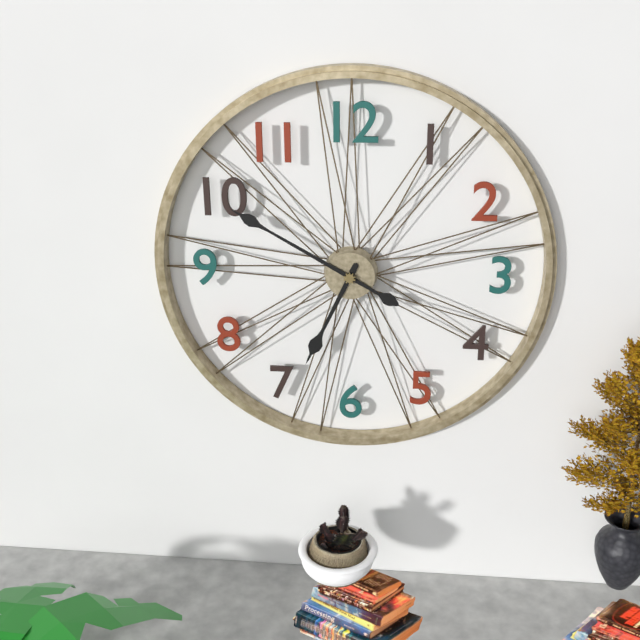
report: 6,50
